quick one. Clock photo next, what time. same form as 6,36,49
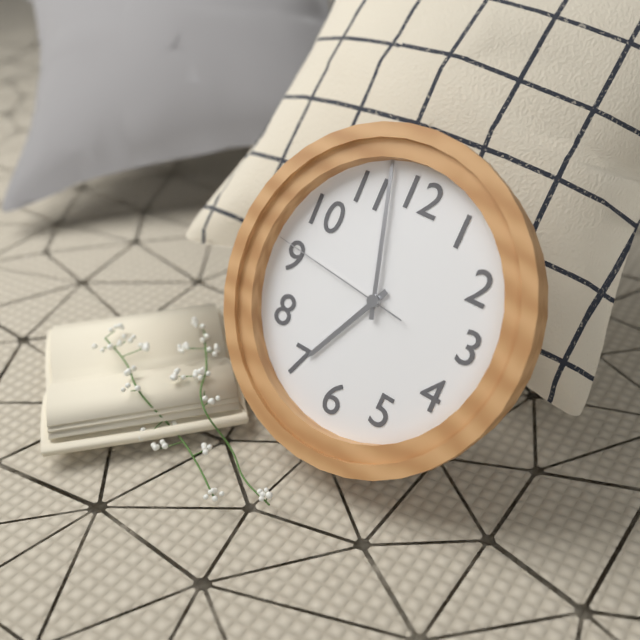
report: 6,57,46
